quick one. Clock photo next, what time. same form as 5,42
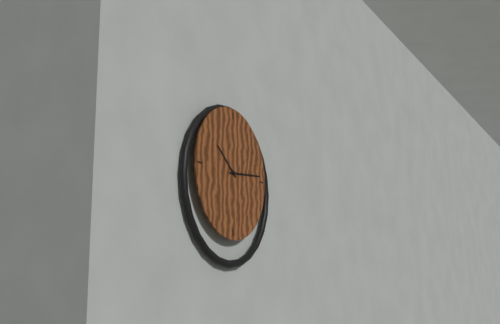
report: 10,14
